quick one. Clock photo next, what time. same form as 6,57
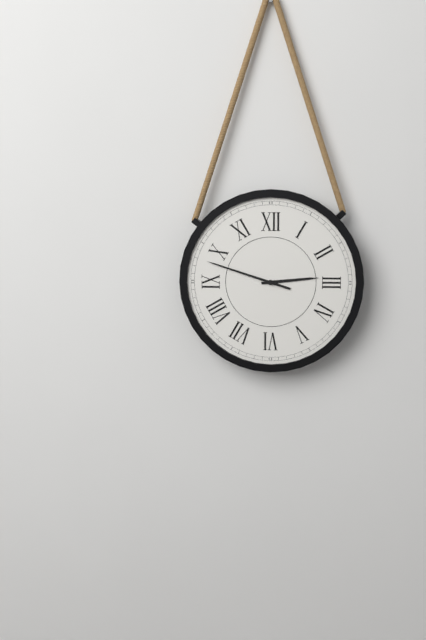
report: 2,48
